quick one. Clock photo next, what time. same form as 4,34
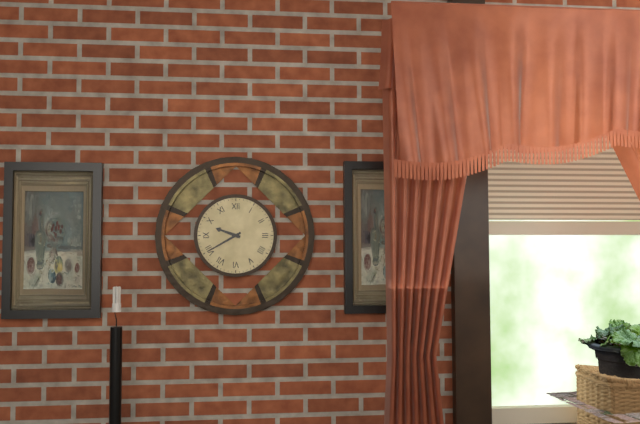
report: 9,40
